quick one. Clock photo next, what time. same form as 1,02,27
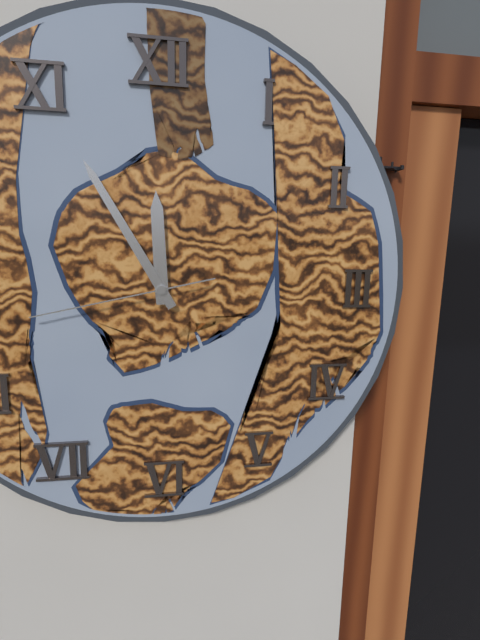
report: 11,55,43
